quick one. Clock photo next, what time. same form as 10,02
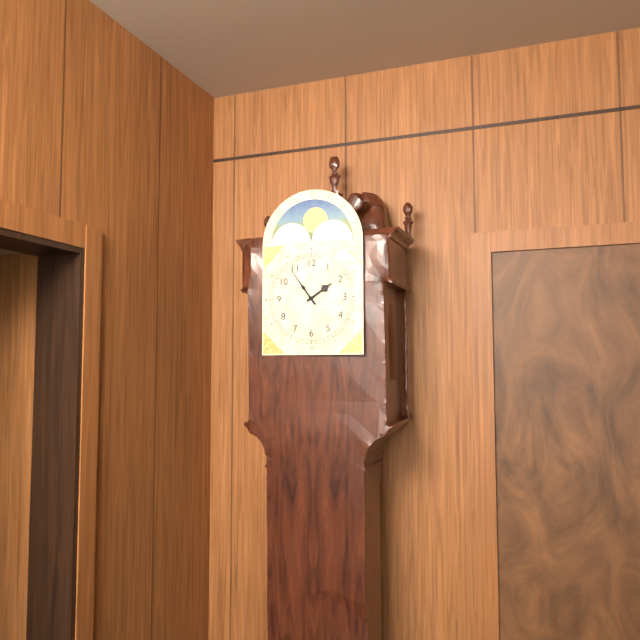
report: 1,54
